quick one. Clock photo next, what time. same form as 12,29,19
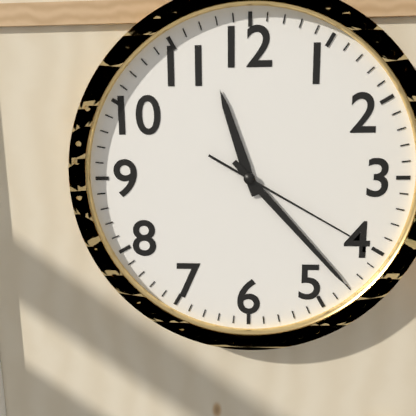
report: 11,23,20
